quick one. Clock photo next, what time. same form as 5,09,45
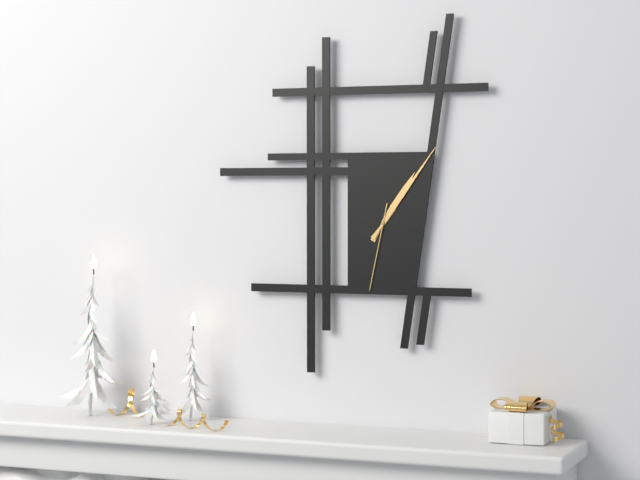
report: 1,06,32
